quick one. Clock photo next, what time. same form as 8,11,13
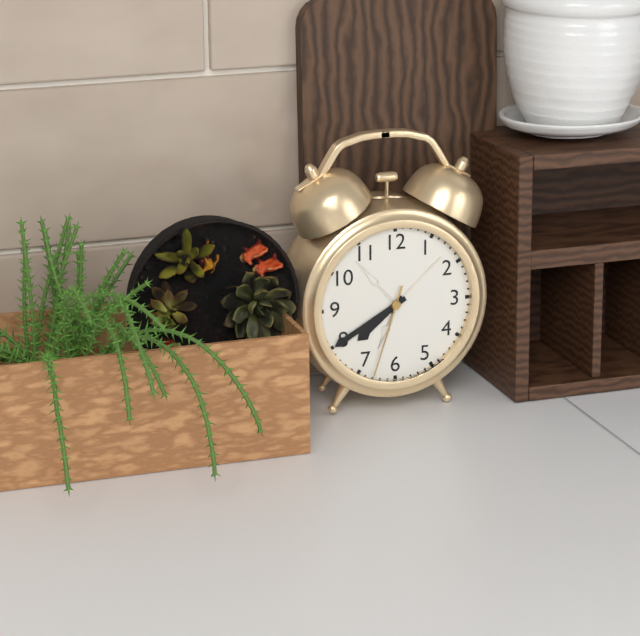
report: 7,40,33
